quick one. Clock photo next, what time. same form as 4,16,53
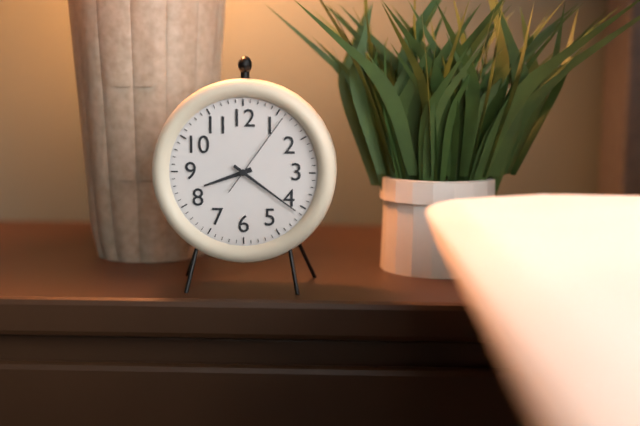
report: 8,21,06
